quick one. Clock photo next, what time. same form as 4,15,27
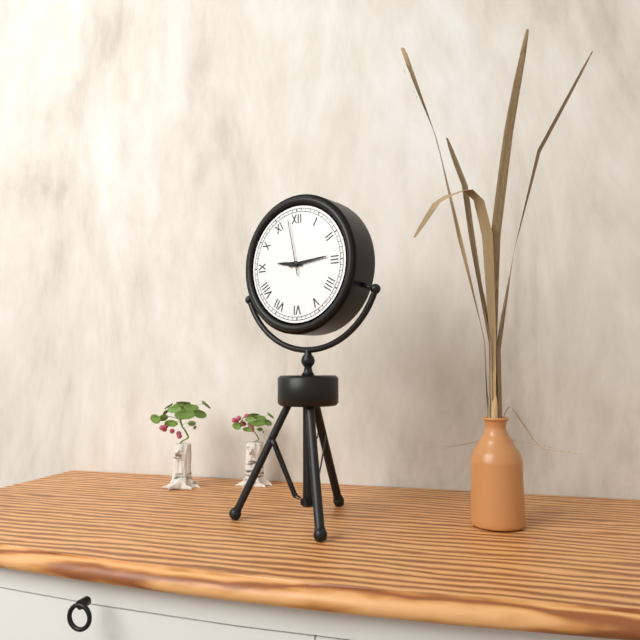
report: 9,14,58
